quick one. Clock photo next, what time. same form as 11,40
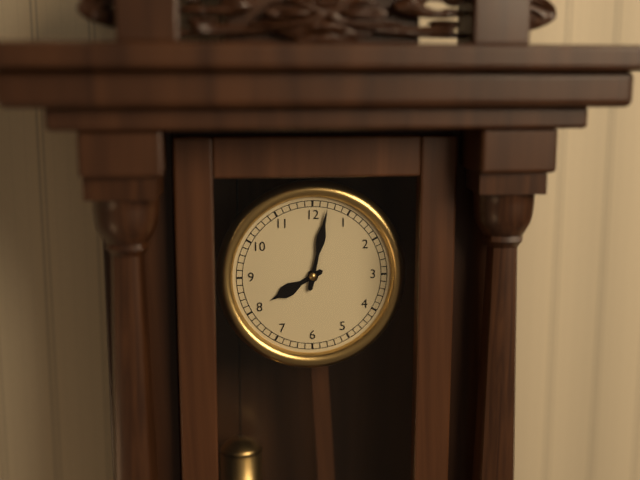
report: 8,02
